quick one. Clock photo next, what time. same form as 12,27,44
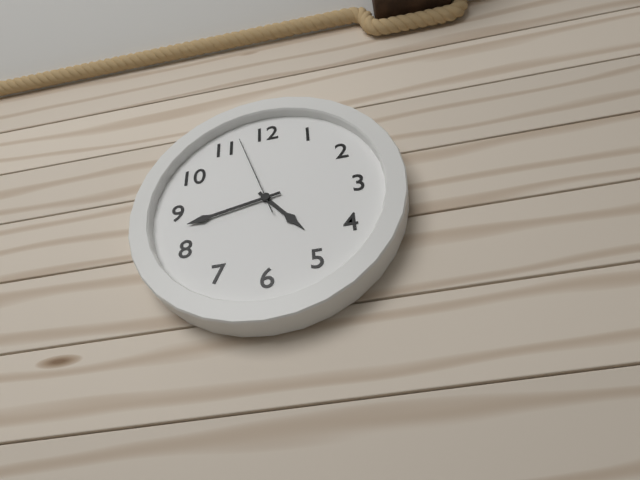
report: 4,43,57
